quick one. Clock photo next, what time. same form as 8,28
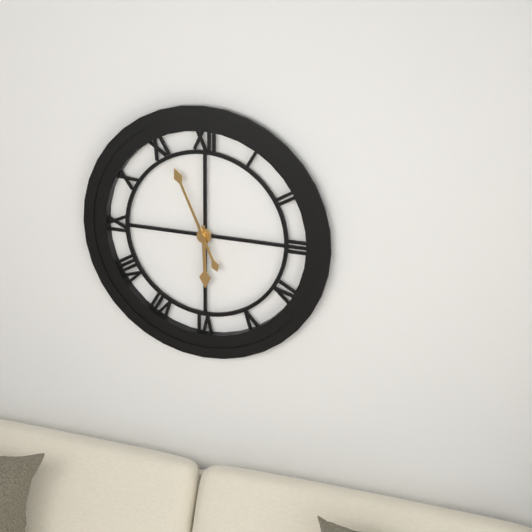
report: 5,56
